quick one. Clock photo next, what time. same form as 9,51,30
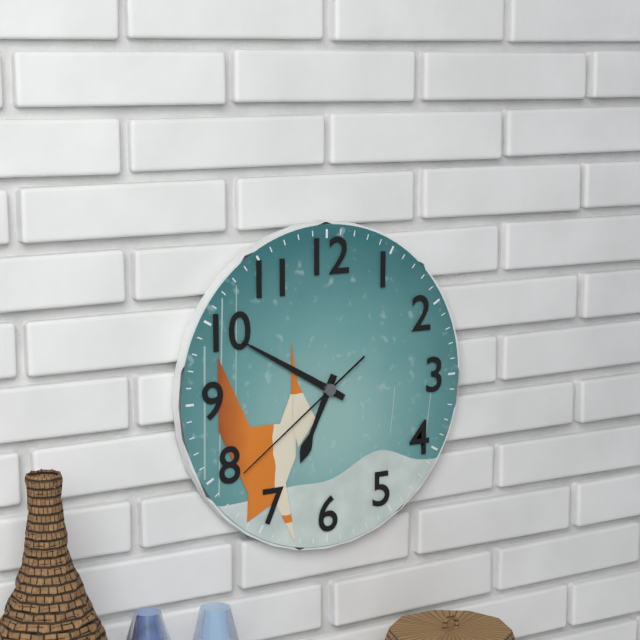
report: 6,50,39
